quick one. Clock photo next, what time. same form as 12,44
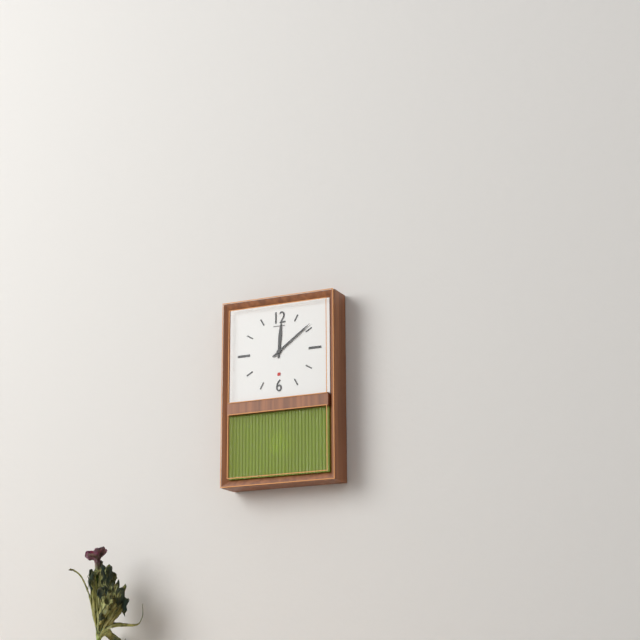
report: 12,09
